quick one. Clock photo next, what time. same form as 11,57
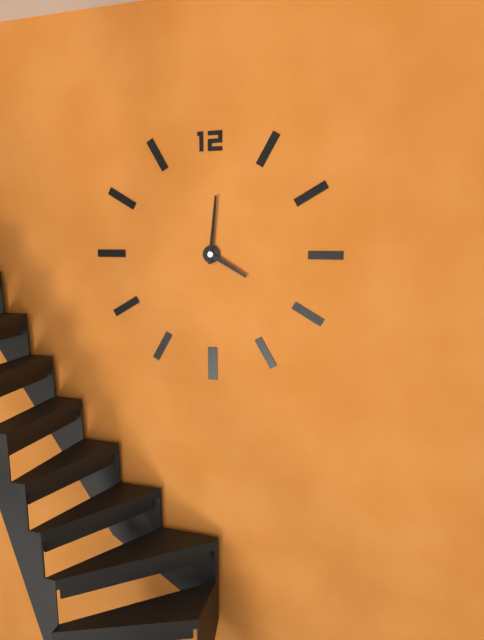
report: 4,01
